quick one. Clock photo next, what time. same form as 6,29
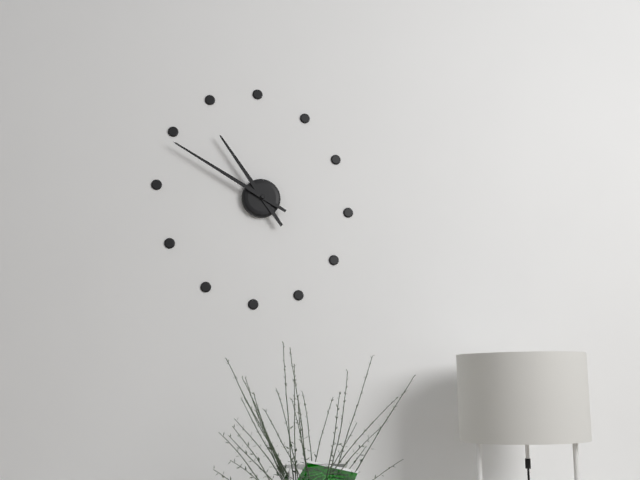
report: 10,50
